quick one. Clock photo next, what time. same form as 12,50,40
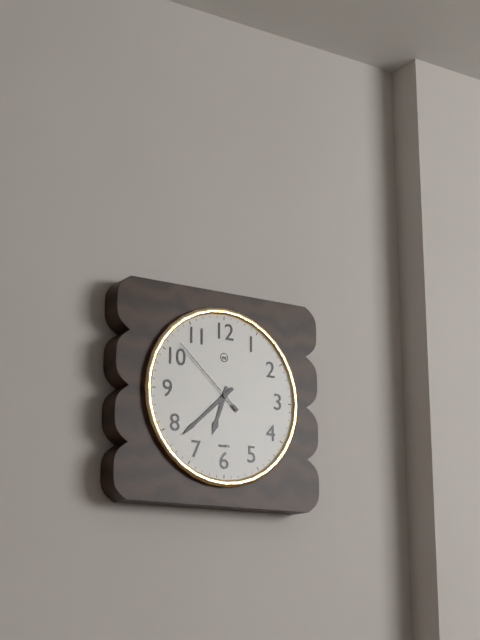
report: 6,38,52
